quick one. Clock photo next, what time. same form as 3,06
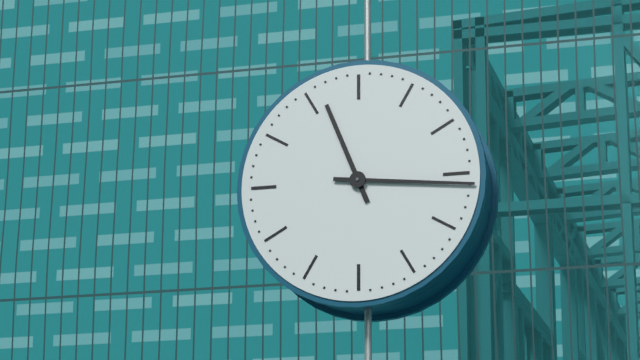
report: 11,16
